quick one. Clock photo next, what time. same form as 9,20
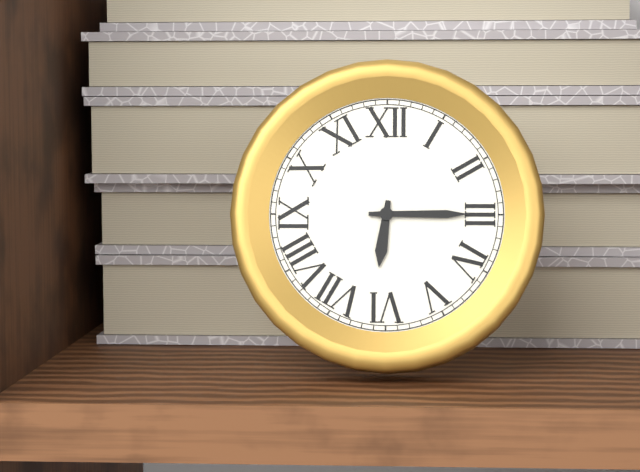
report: 6,15
